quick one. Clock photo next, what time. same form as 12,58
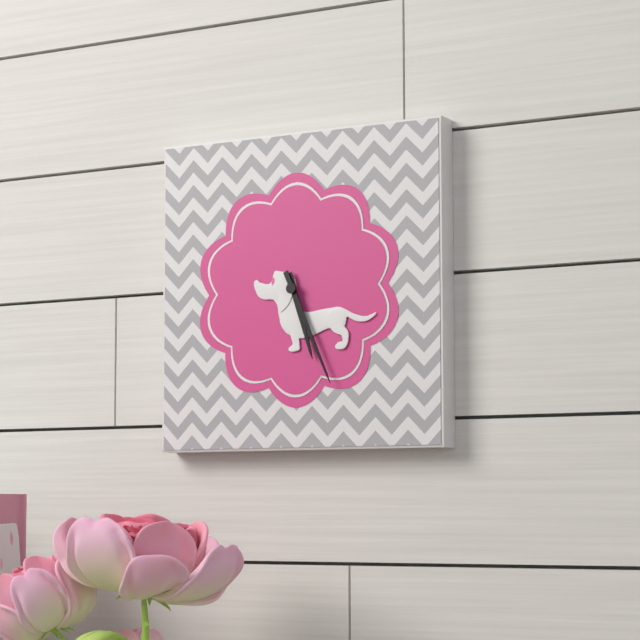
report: 5,26
